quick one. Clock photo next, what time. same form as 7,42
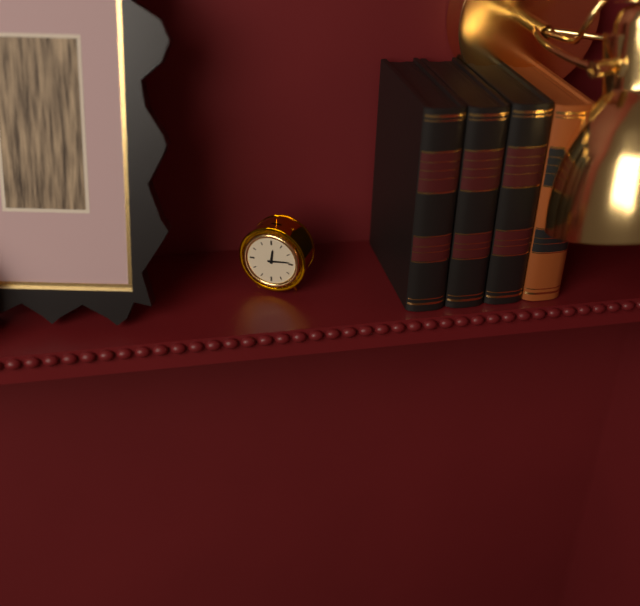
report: 12,14
